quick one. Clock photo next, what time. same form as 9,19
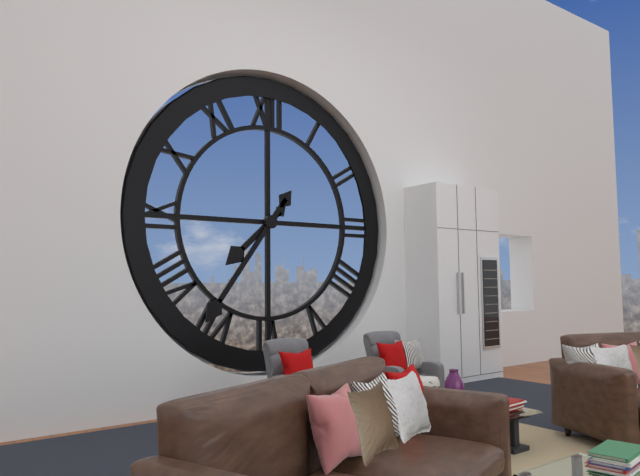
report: 7,36
